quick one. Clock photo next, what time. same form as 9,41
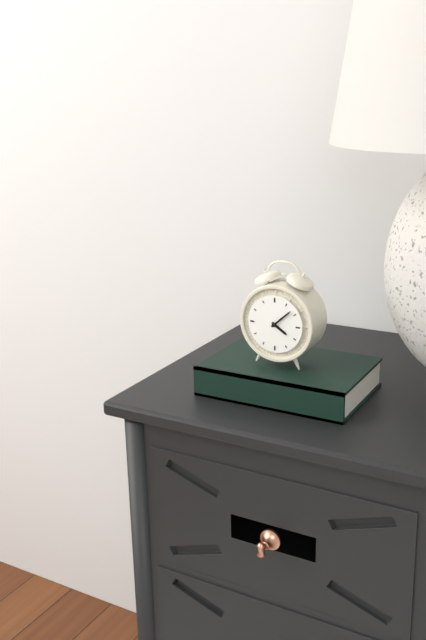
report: 4,08
